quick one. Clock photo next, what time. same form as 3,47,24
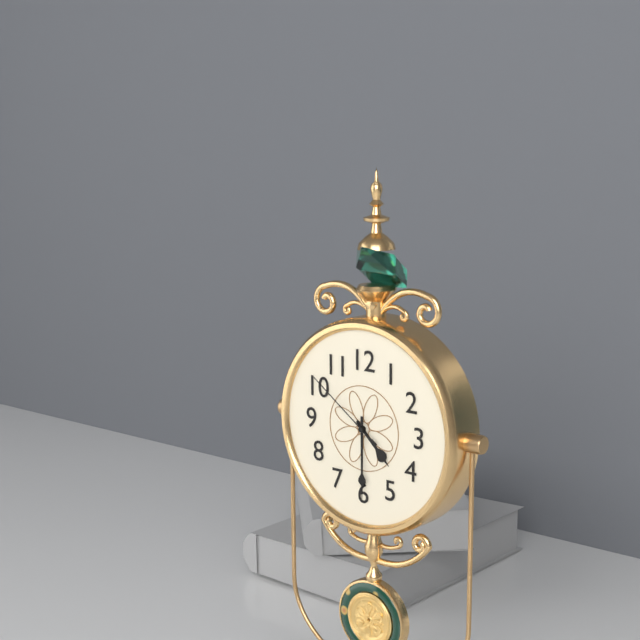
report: 4,30,51
